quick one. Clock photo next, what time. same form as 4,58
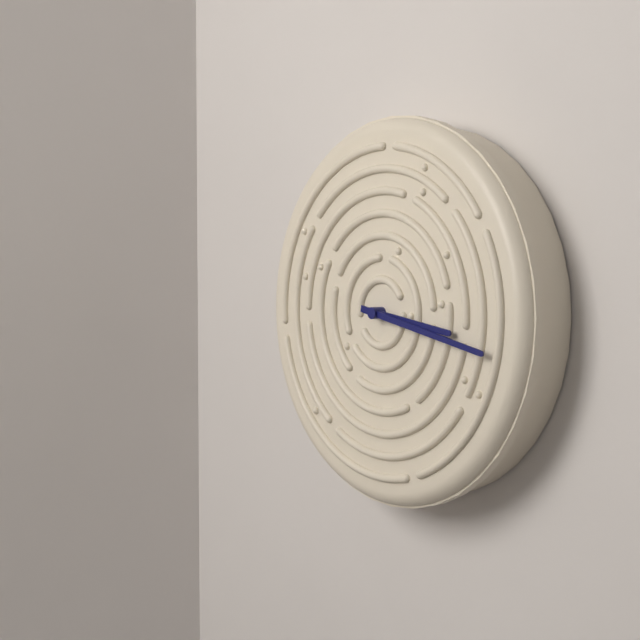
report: 3,17
